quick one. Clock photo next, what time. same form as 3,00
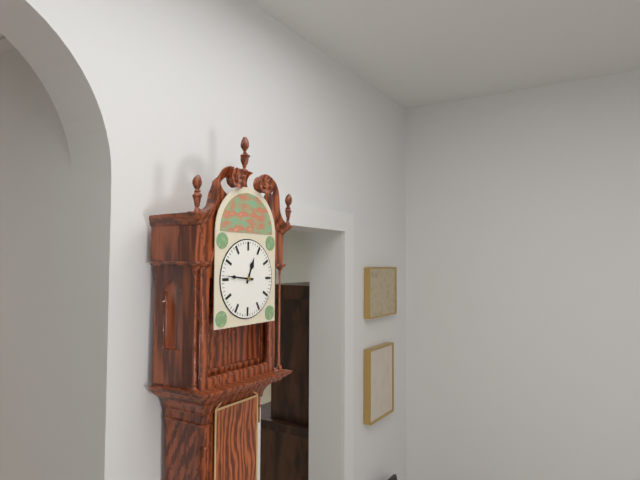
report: 12,46
